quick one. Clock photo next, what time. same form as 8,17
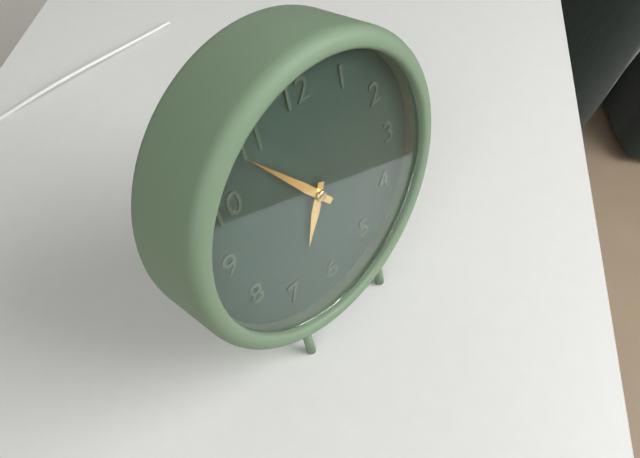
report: 6,54
